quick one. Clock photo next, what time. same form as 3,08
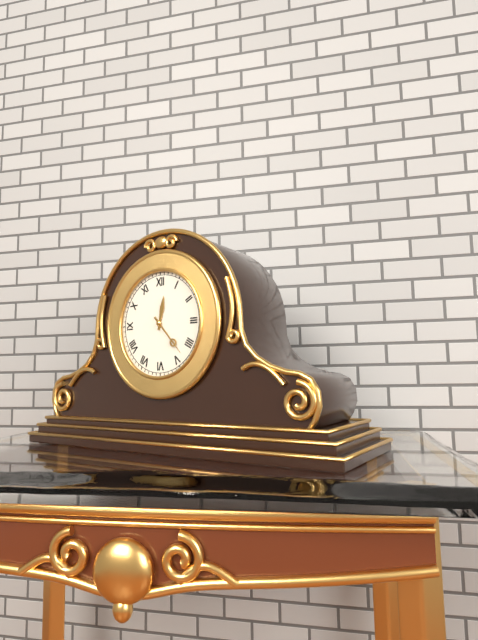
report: 12,23
